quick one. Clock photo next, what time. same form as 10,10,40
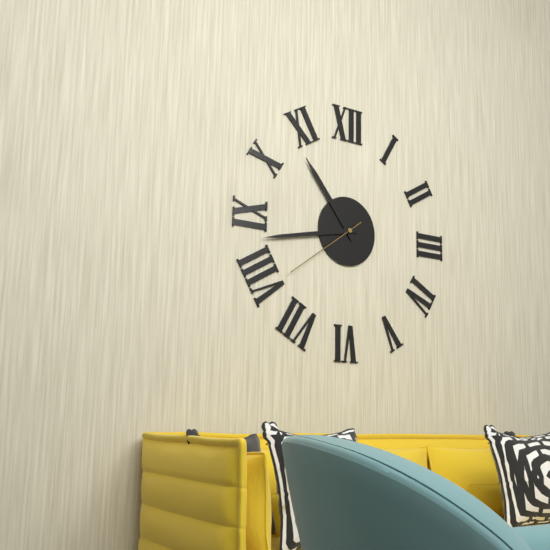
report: 10,43,39
